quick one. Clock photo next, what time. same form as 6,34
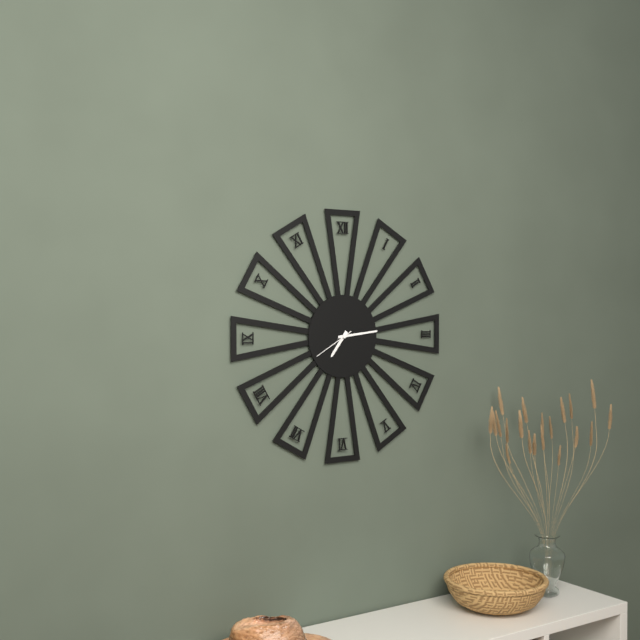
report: 7,14
